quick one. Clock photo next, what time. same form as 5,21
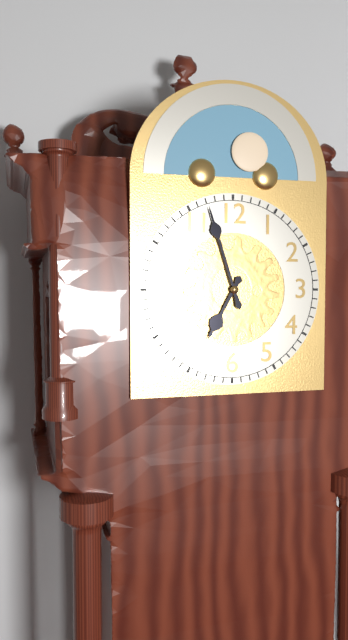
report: 6,57
